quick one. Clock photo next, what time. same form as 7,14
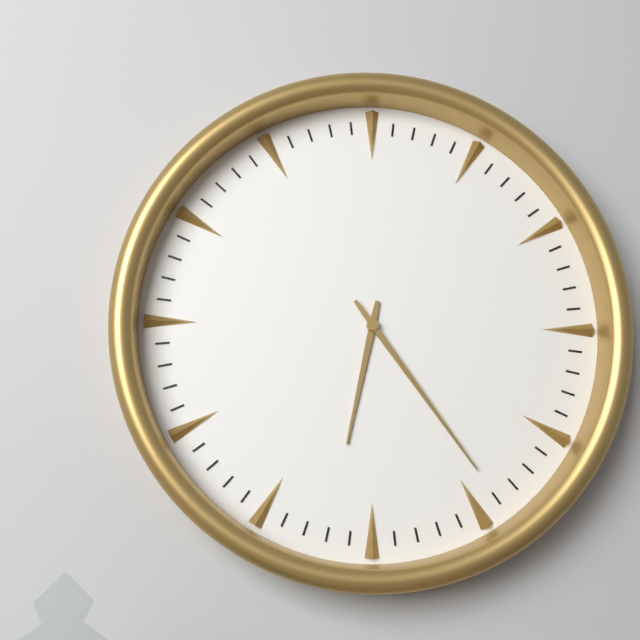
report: 6,24
